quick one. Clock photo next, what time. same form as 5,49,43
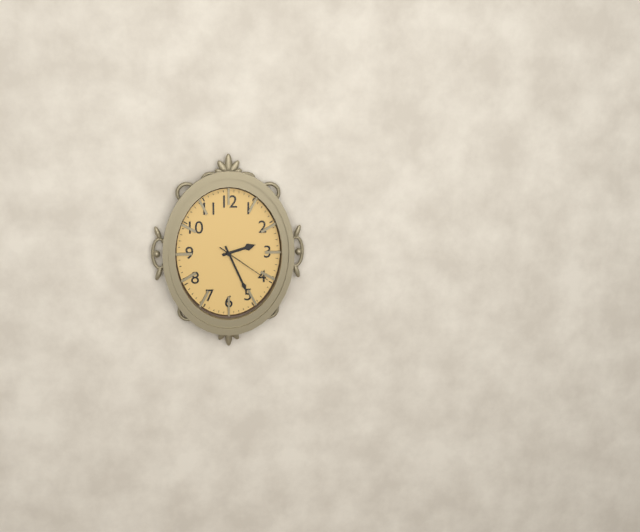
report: 2,26,21
